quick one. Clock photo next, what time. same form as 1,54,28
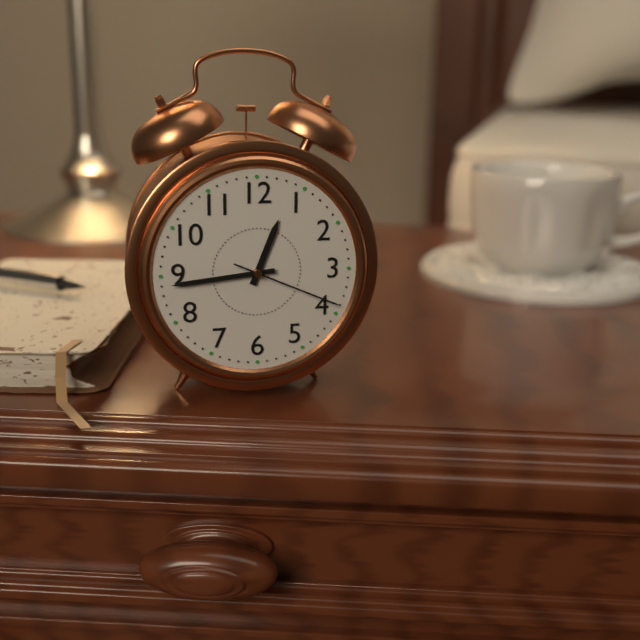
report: 12,44,19
